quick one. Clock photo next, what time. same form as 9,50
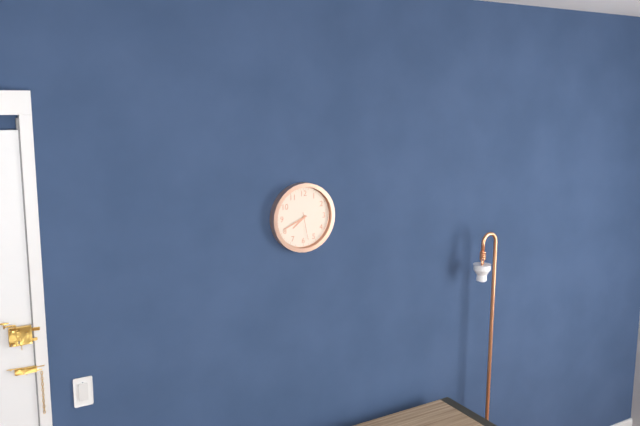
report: 7,41
